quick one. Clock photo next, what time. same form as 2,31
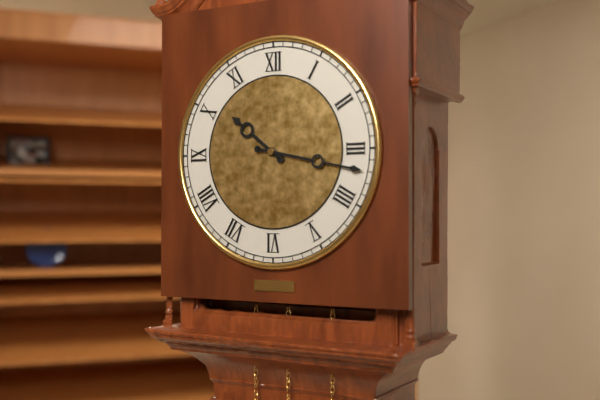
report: 10,17
